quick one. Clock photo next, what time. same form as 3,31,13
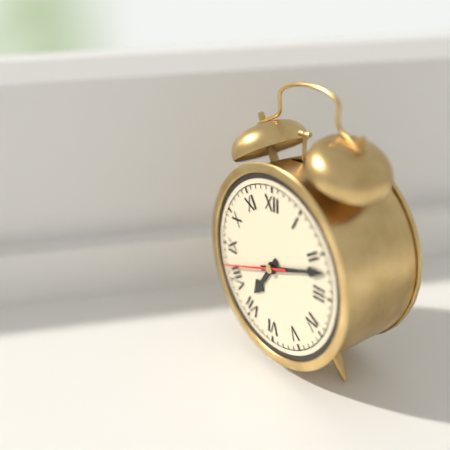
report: 7,12,42
